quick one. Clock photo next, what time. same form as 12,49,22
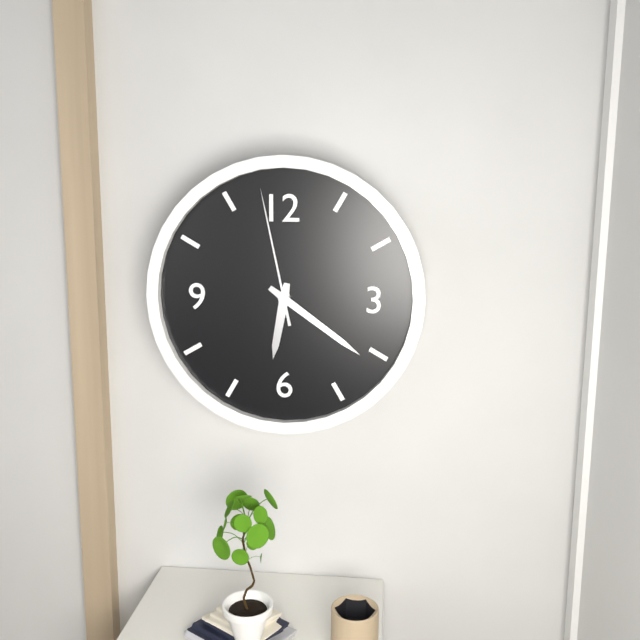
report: 6,21,58
